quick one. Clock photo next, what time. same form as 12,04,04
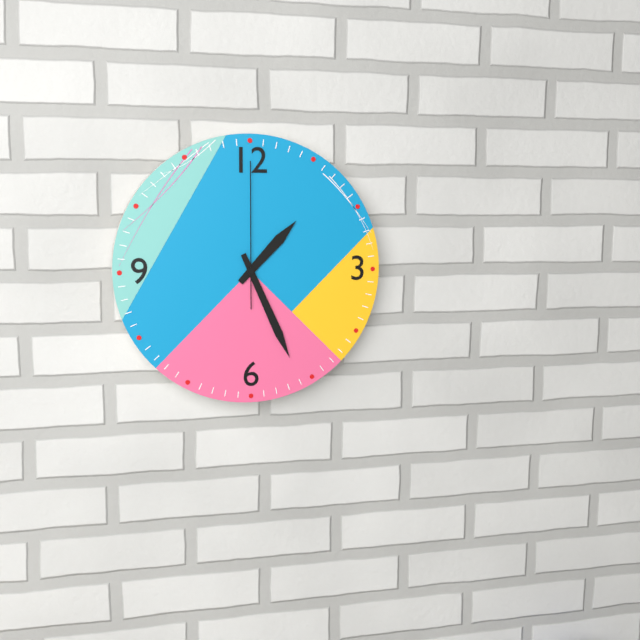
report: 1,26,00
